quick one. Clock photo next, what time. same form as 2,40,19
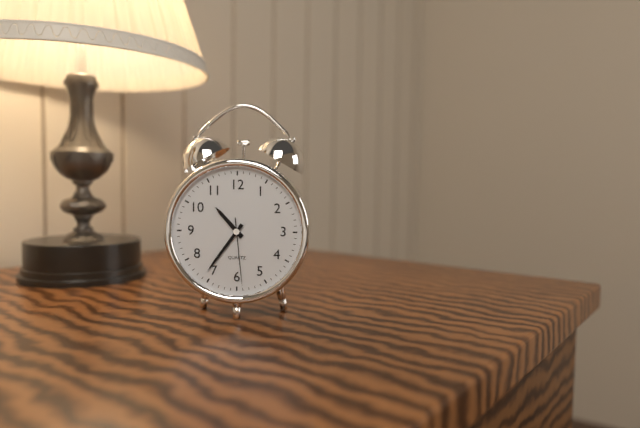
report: 10,36,29
